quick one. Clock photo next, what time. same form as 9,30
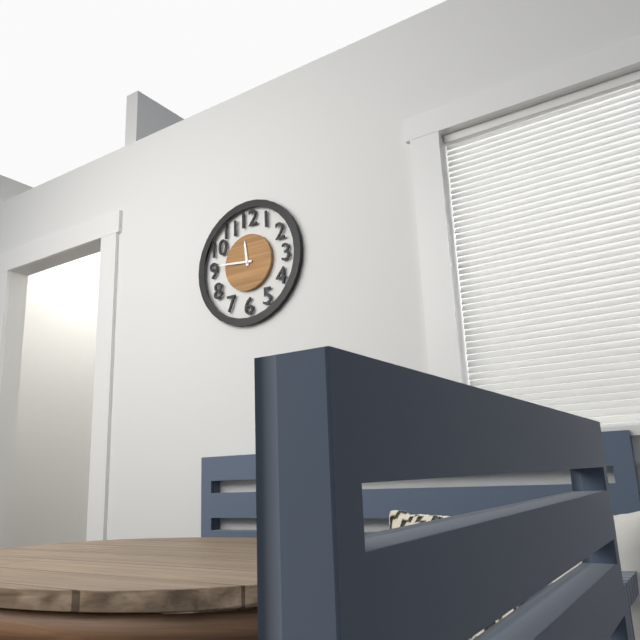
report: 11,46
